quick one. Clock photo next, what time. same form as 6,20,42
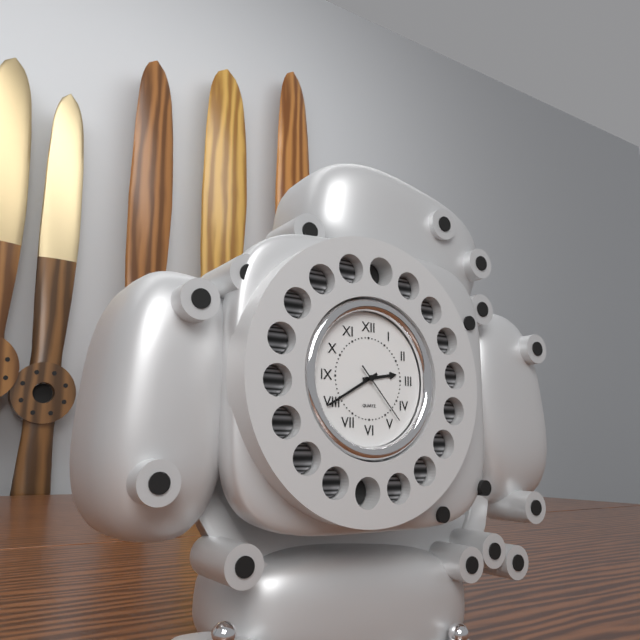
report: 2,40,23
